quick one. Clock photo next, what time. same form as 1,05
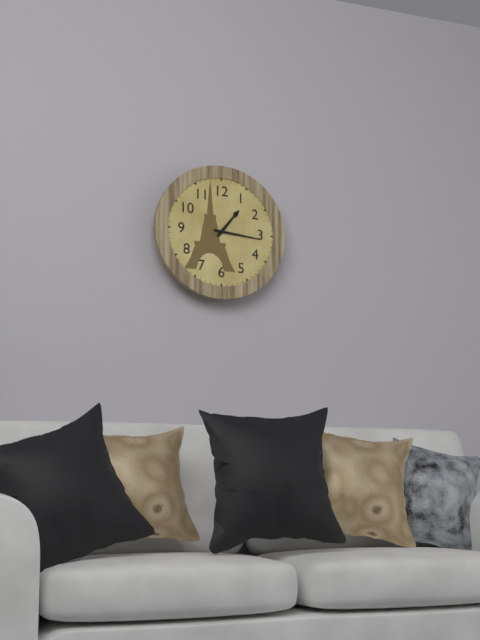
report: 1,16
